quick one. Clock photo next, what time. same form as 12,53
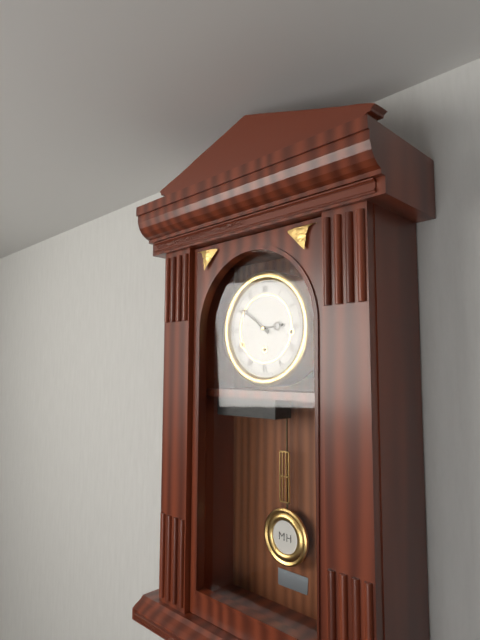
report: 2,51
